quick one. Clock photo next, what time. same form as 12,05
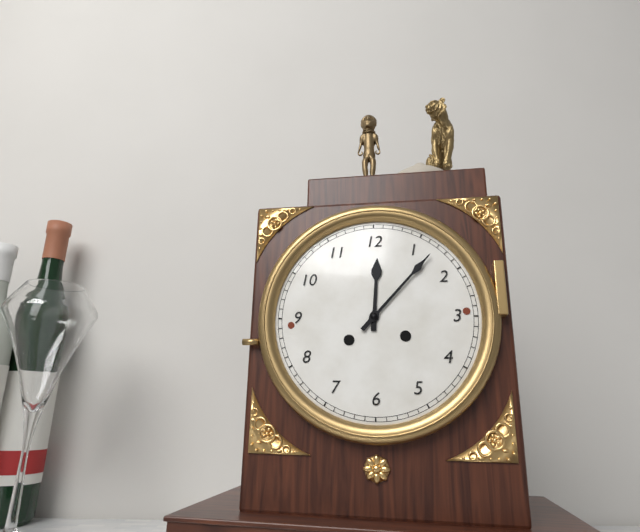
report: 12,07
